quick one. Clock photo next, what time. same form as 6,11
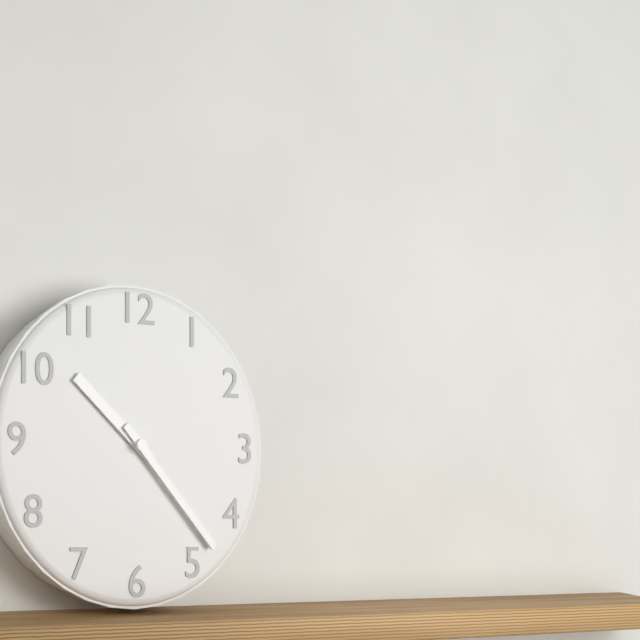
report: 10,23
